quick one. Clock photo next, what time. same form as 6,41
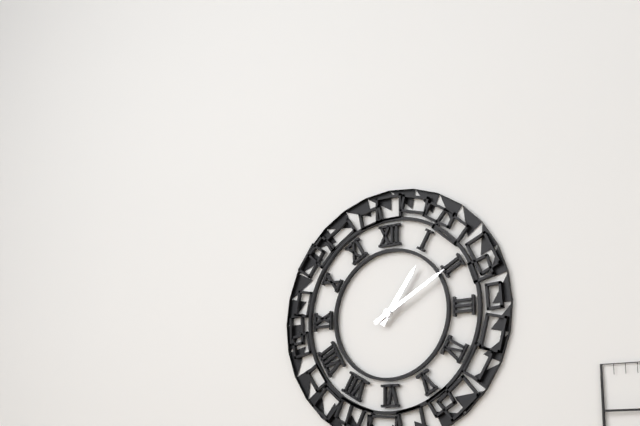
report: 1,10
